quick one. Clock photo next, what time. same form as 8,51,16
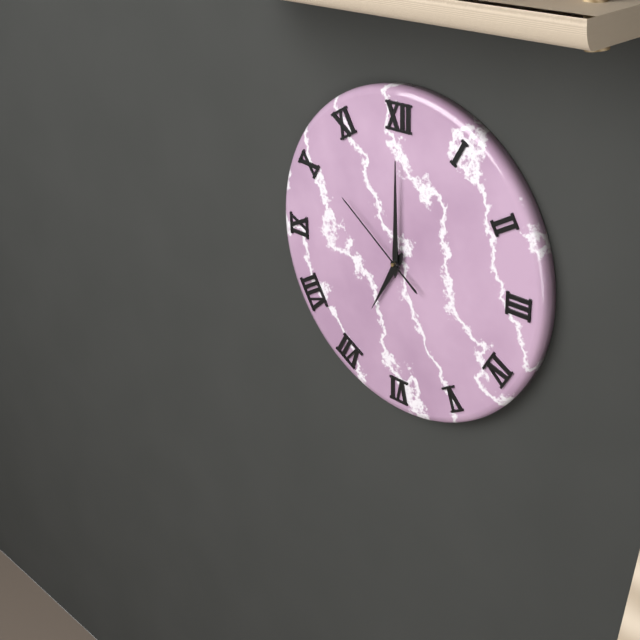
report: 7,00,51
